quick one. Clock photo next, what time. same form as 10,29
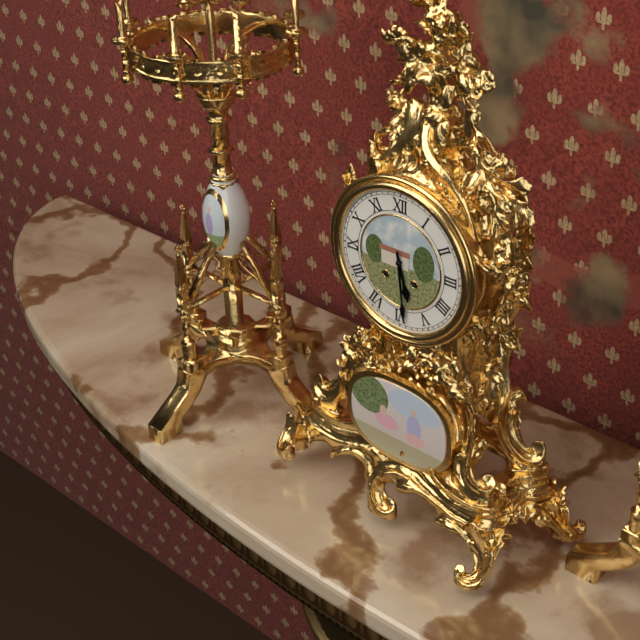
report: 5,29
